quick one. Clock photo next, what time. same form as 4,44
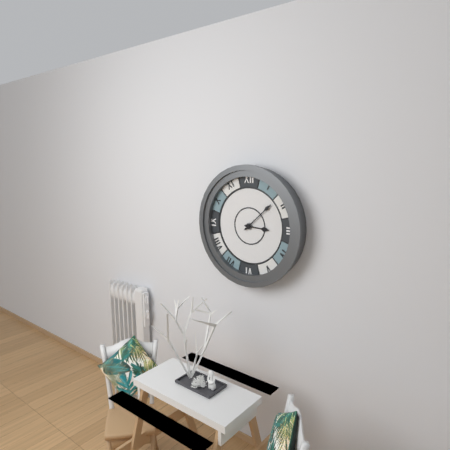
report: 3,08
